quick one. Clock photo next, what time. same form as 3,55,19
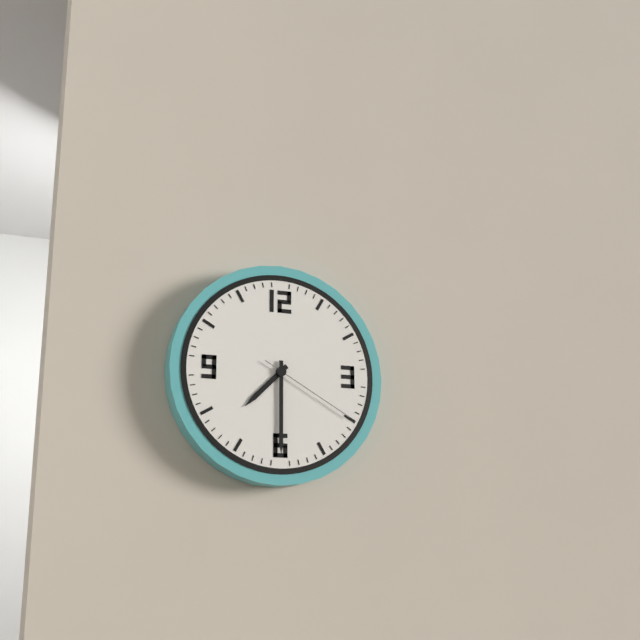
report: 7,30,20
